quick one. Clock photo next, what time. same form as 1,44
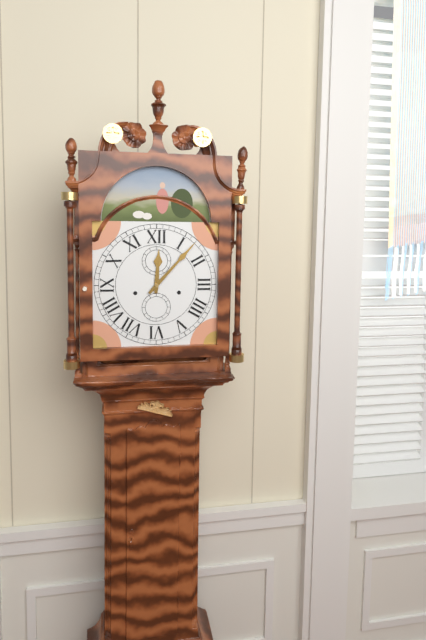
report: 12,07
